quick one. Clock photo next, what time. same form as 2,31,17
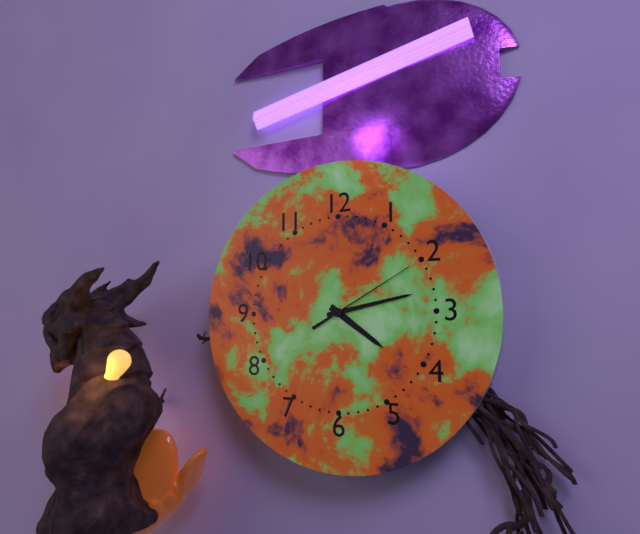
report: 4,13,10
